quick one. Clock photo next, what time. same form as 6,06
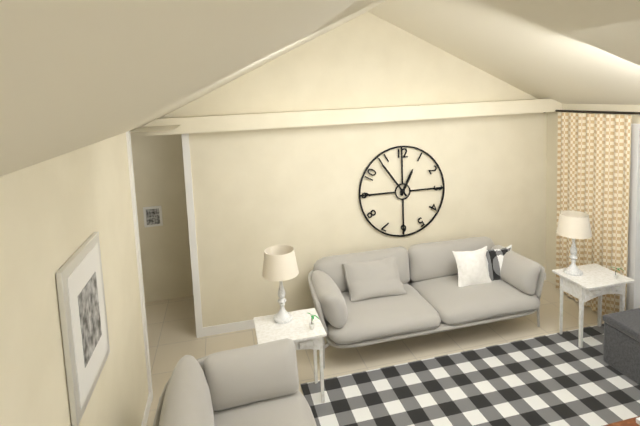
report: 12,54
